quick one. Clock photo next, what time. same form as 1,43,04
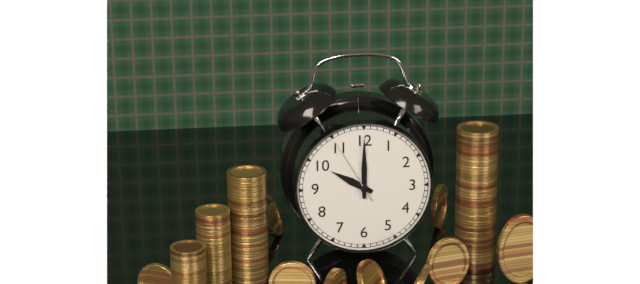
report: 10,00,55
